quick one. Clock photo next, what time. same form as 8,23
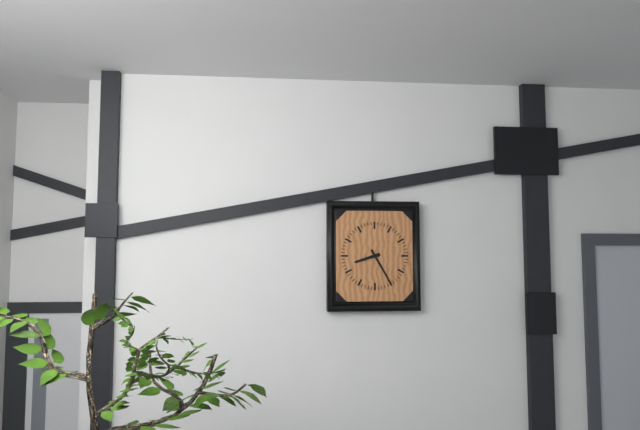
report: 8,25
